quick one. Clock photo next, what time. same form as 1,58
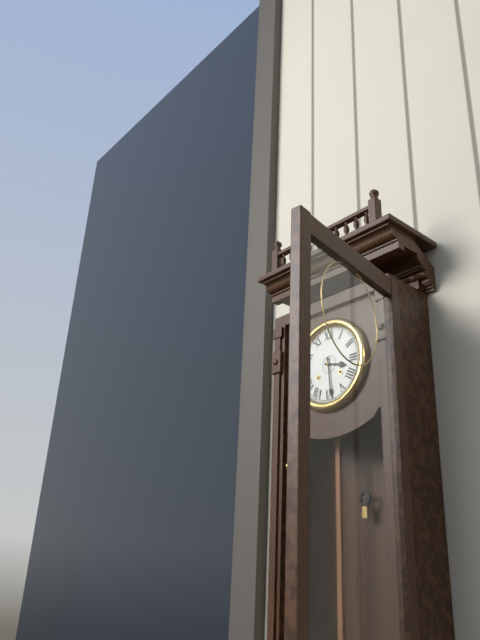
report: 3,29
